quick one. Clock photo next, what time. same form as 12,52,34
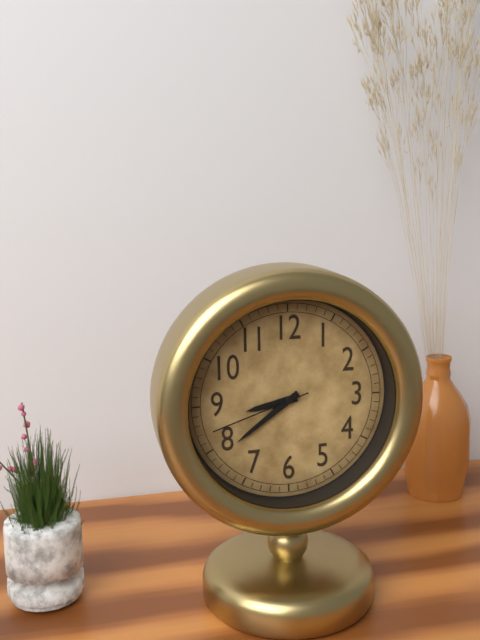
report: 8,39,42
